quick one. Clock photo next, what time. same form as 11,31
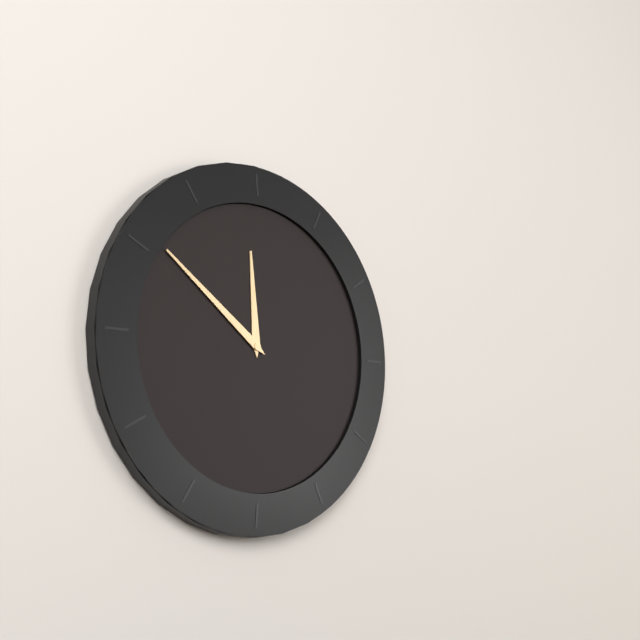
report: 11,51
